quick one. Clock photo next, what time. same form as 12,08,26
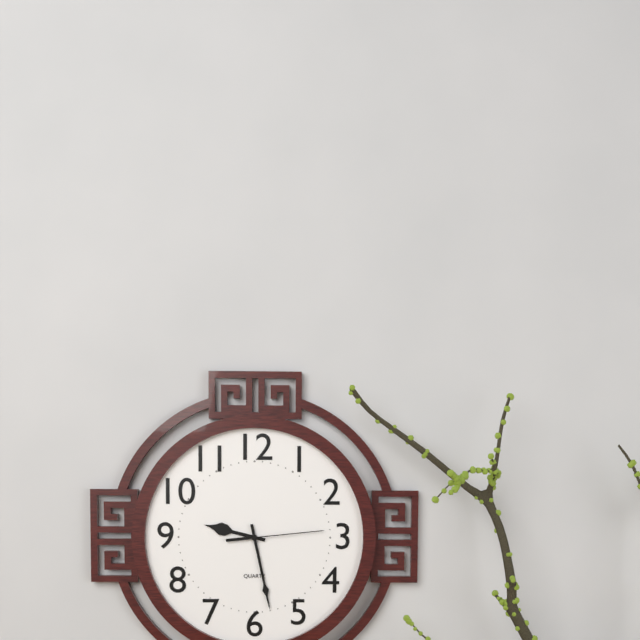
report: 9,28,14
